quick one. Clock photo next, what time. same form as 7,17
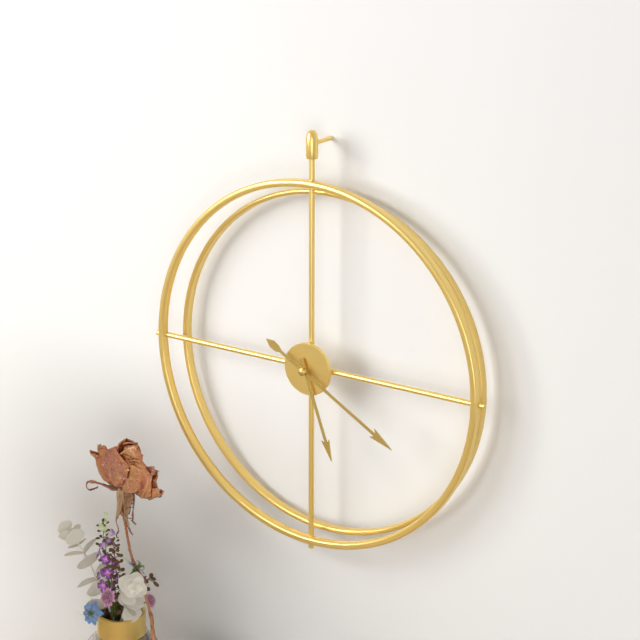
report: 5,20
